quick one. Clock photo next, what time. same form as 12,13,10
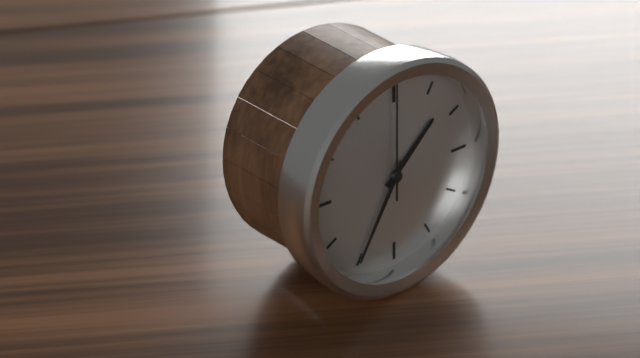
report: 1,35,00
